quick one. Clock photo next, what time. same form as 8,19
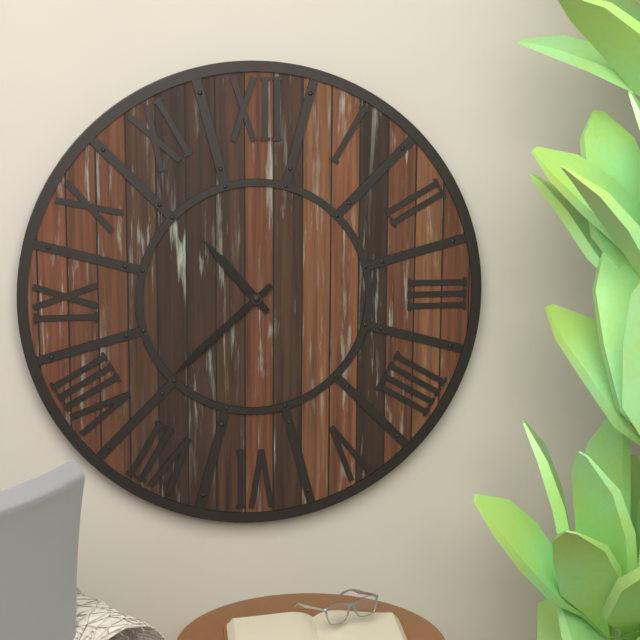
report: 10,38
